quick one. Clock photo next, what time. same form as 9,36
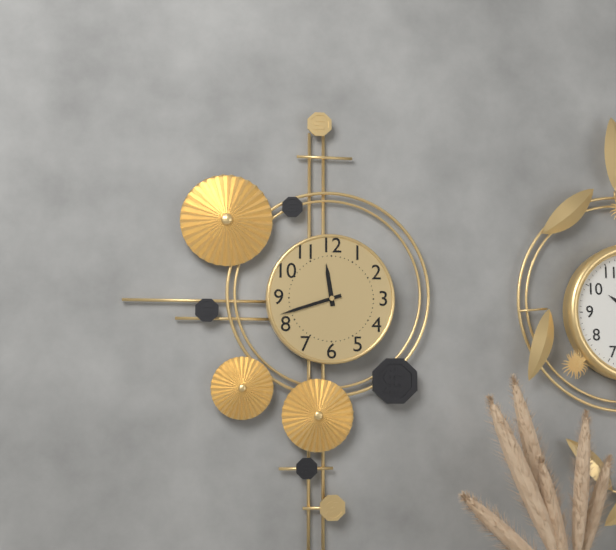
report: 11,42
